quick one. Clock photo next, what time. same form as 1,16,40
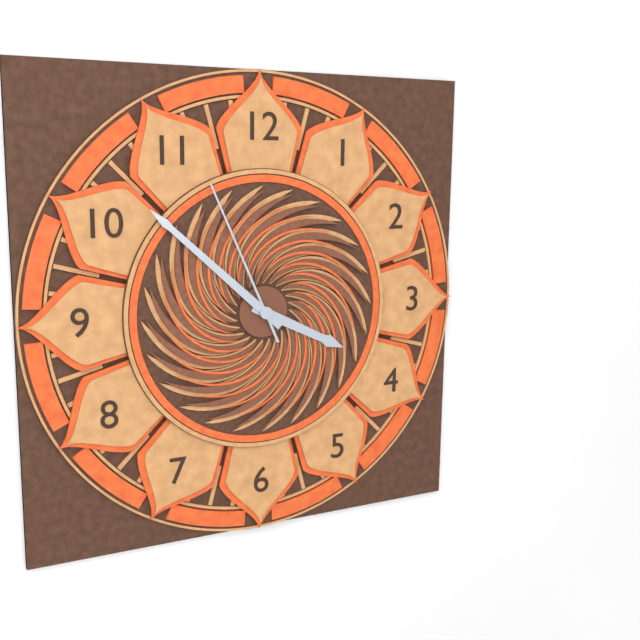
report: 3,52,56
